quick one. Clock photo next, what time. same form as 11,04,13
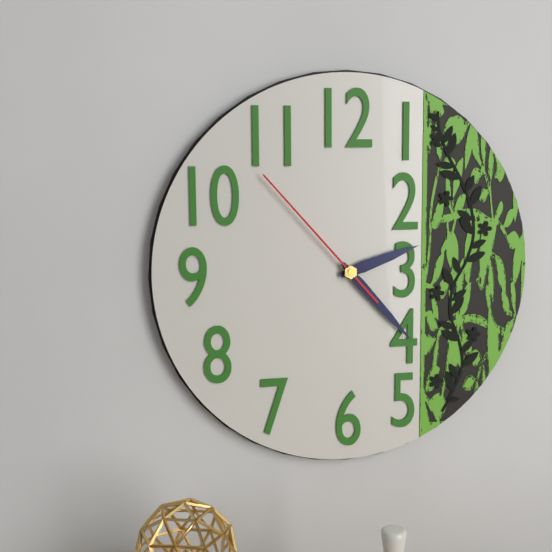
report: 2,23,53
